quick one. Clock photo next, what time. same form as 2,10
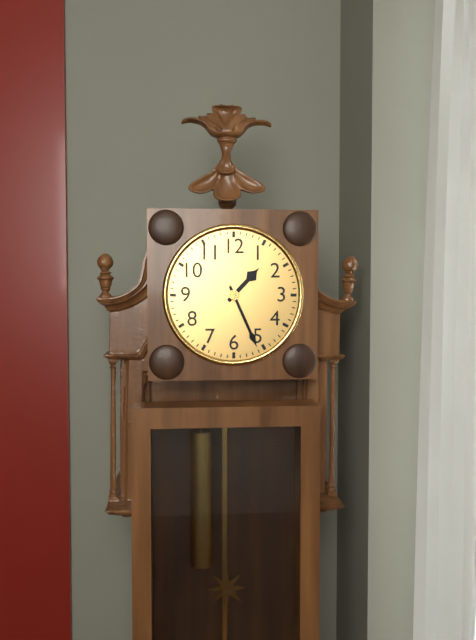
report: 1,26
